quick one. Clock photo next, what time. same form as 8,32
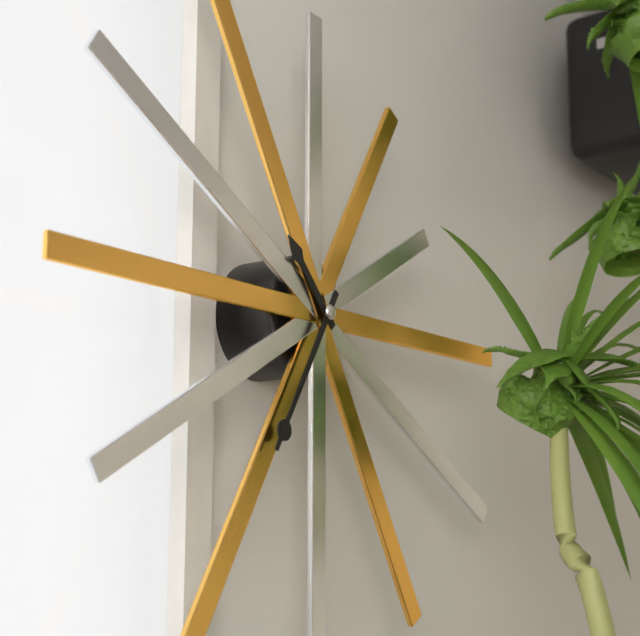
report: 10,35
